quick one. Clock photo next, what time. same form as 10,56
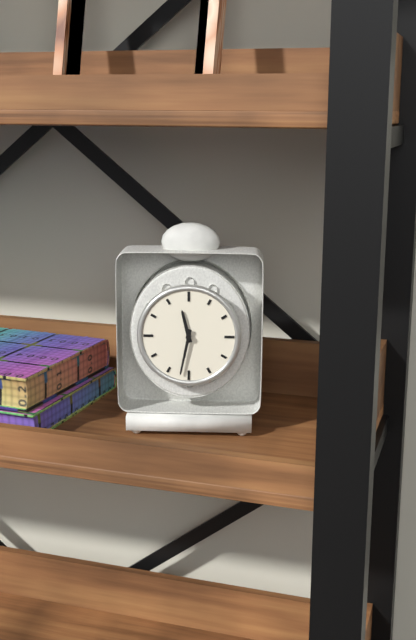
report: 11,32
